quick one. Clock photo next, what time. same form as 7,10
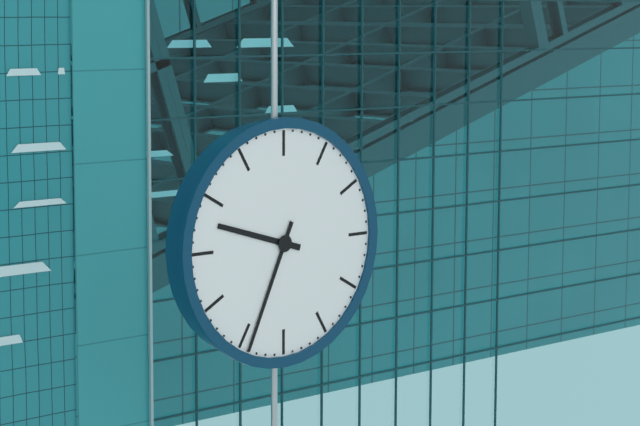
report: 9,34
